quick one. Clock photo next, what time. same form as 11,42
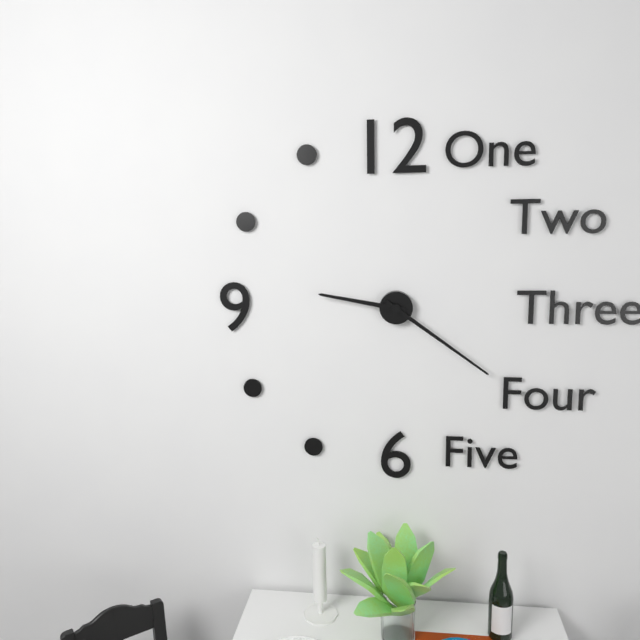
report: 9,21
